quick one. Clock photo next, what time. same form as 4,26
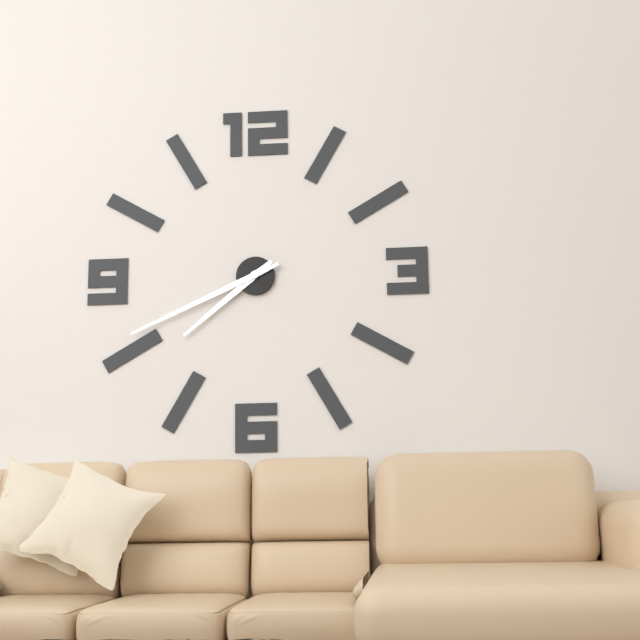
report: 7,41
